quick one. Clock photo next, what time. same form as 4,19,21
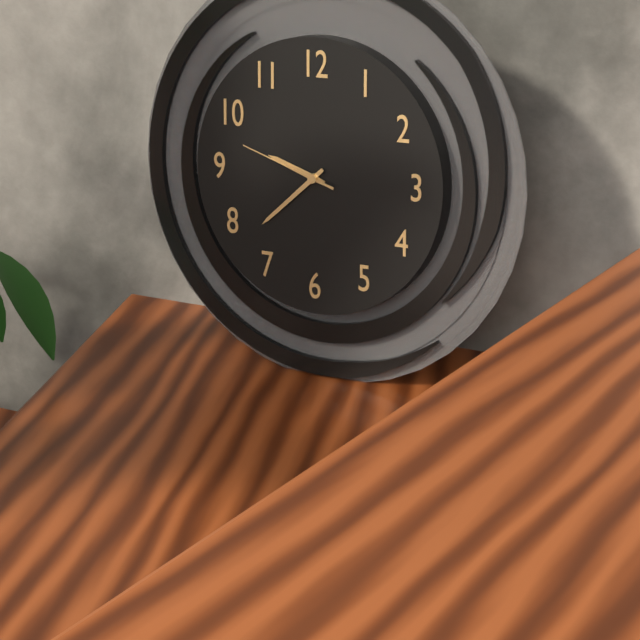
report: 9,38,48
